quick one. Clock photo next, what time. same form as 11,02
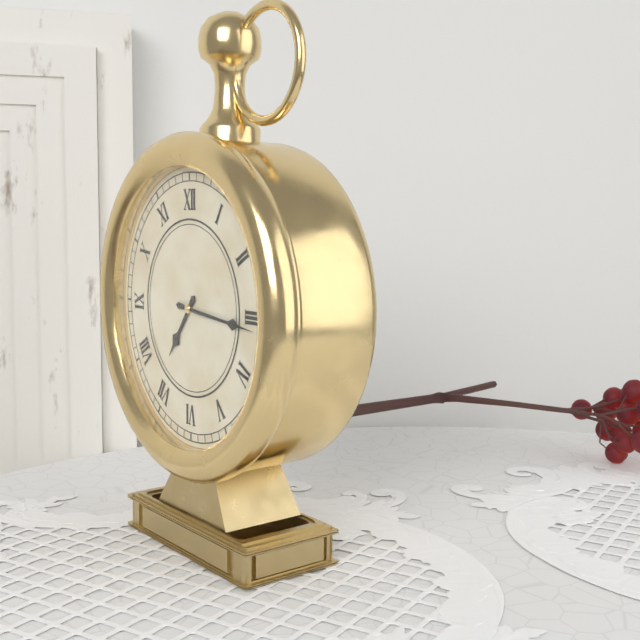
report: 7,16
